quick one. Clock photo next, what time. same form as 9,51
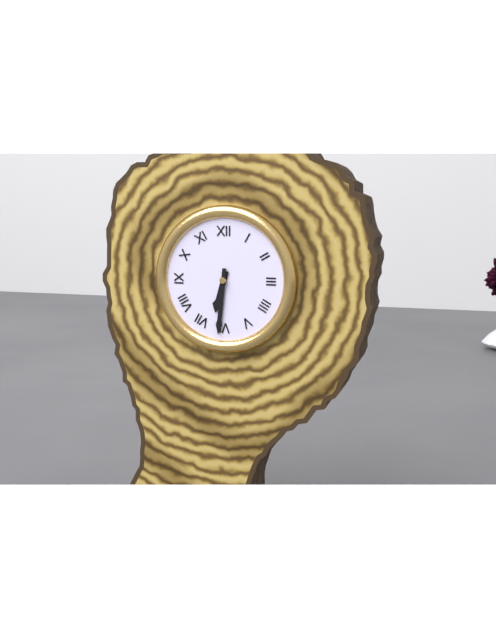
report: 6,31
